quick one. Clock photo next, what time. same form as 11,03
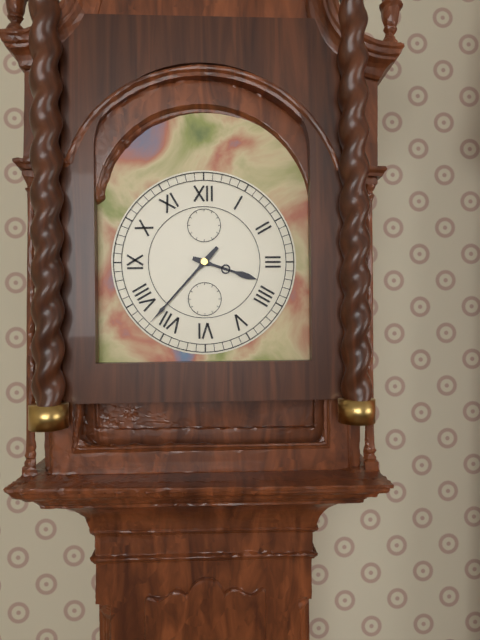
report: 3,37
